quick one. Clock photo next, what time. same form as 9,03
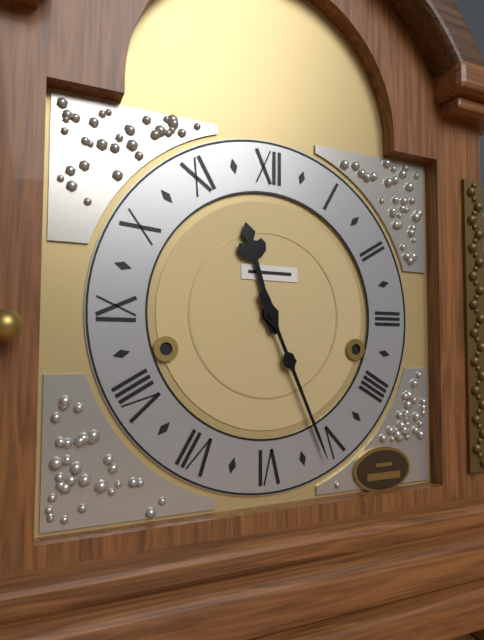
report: 11,26
